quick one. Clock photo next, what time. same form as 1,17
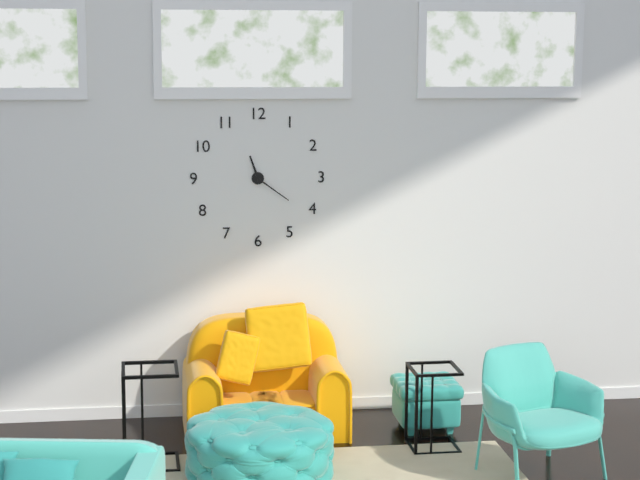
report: 11,21
